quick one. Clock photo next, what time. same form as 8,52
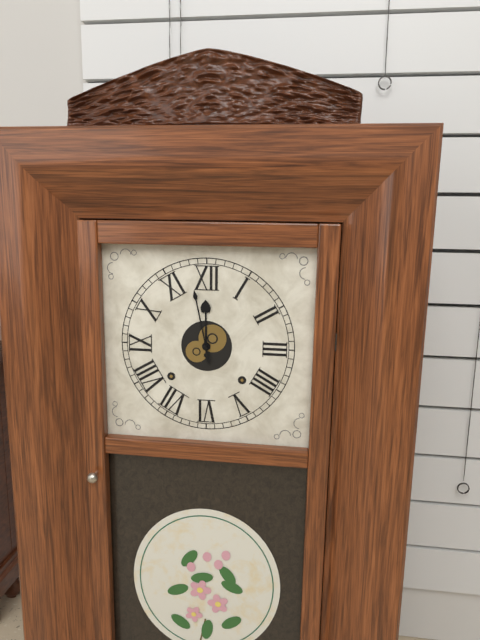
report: 11,58
